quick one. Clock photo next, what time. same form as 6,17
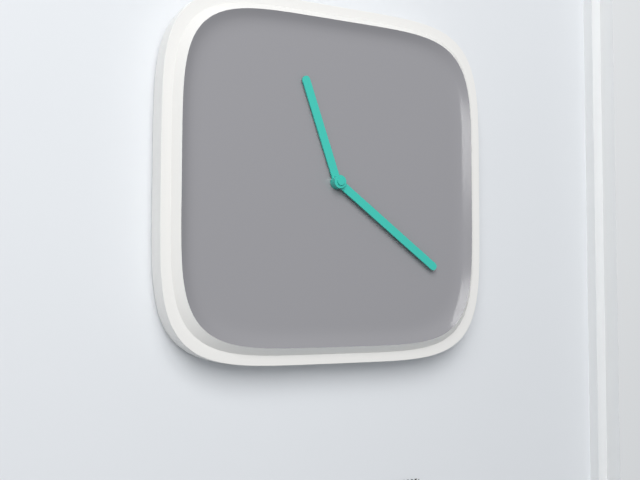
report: 11,21
